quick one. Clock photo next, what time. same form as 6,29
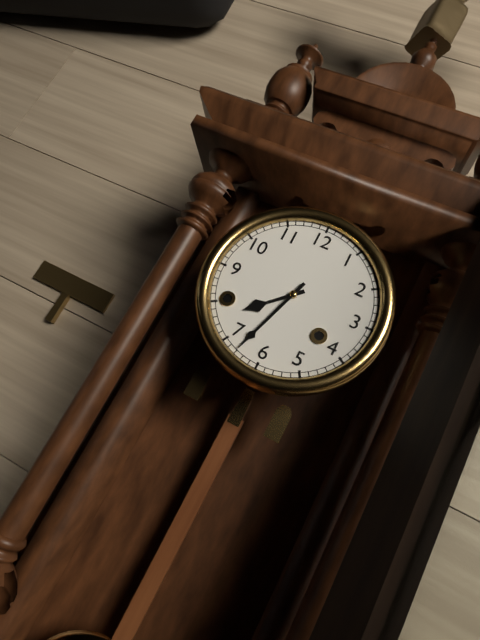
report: 7,33
